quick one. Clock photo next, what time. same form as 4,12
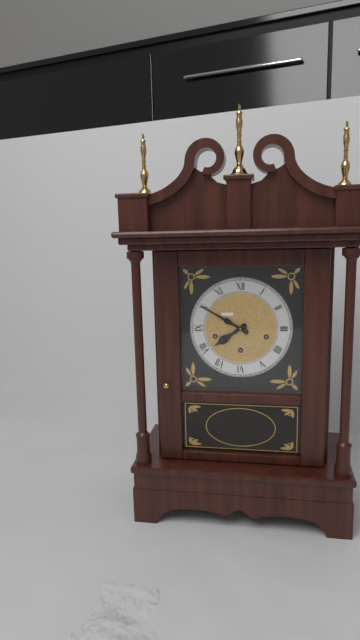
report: 7,50
